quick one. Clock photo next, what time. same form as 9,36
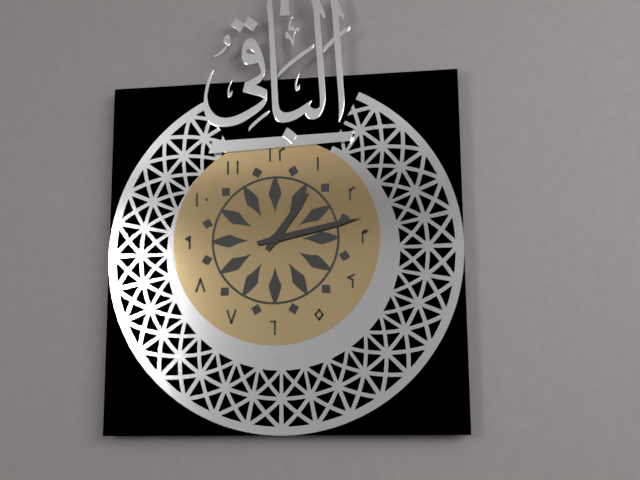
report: 1,13
